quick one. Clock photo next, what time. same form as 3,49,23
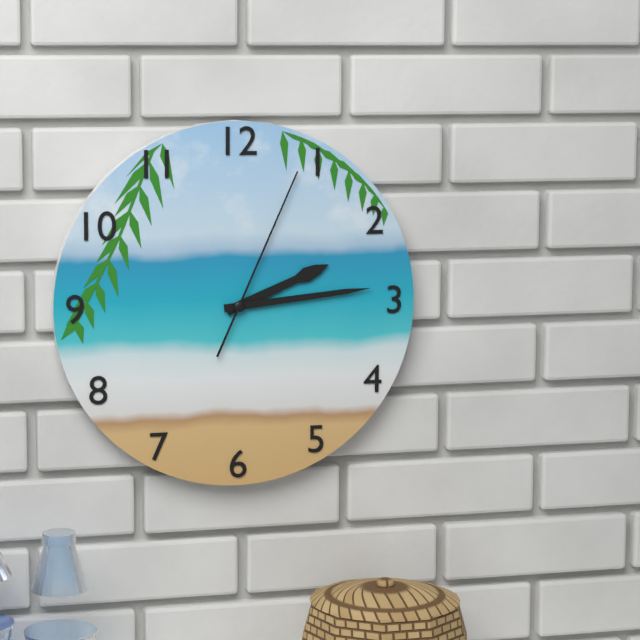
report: 2,14,04
